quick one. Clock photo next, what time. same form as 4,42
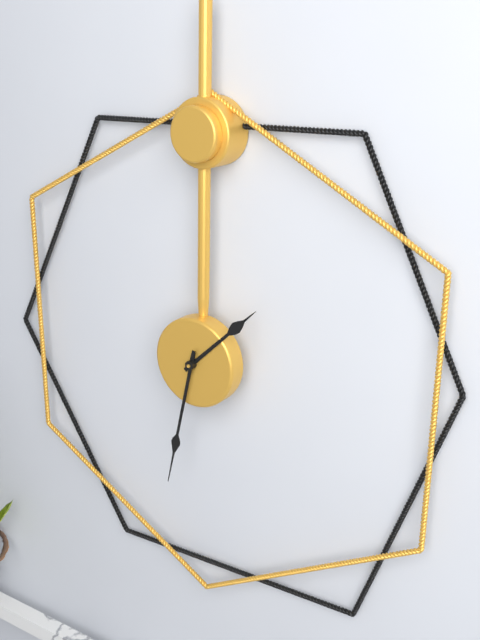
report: 1,32
